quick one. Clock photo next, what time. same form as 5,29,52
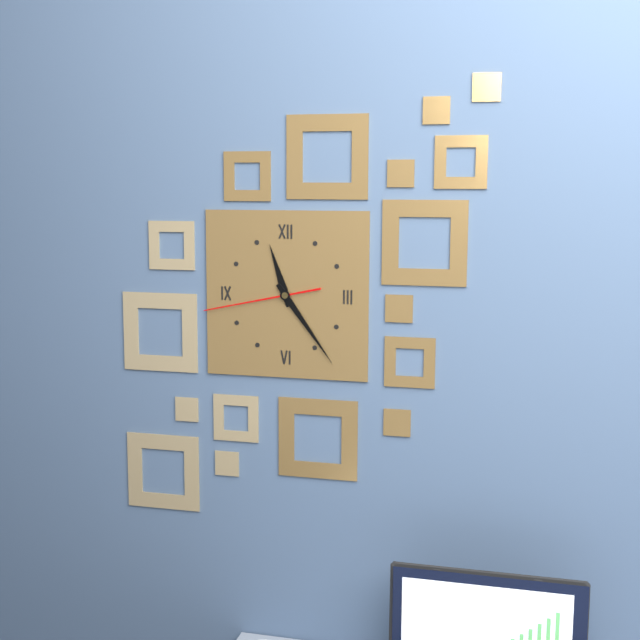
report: 11,24,43
